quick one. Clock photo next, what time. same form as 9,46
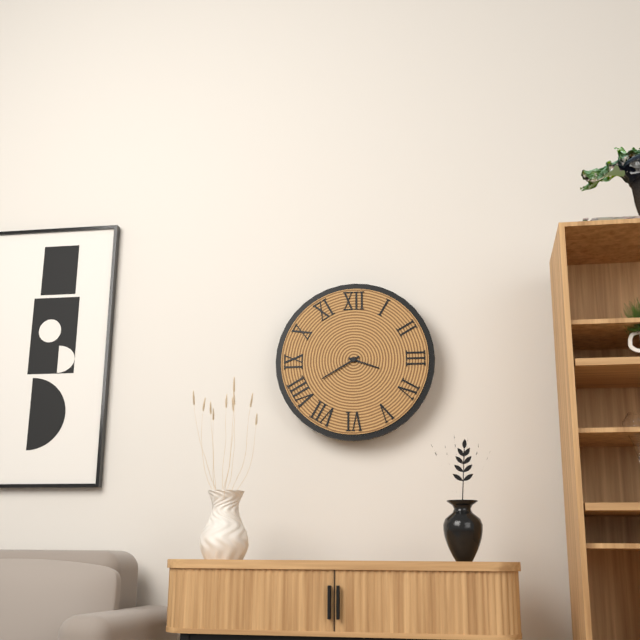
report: 3,40
